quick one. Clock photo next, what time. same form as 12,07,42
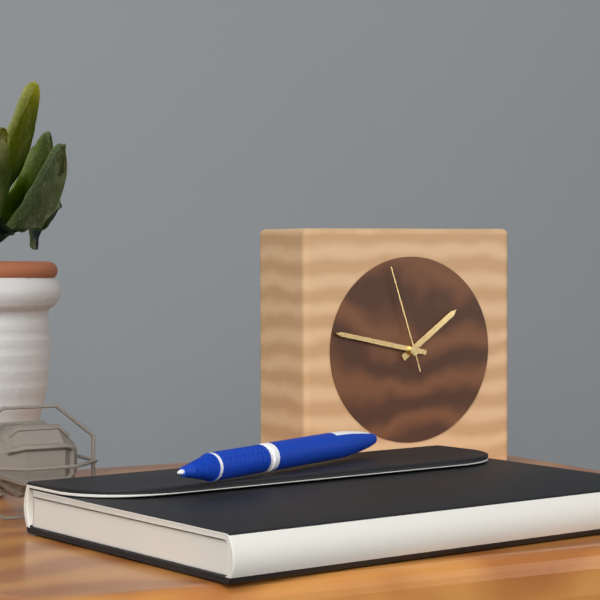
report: 1,47,57
